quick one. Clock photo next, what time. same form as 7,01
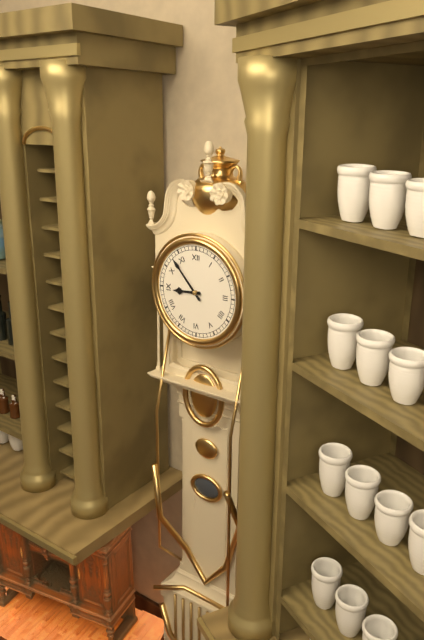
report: 8,53
